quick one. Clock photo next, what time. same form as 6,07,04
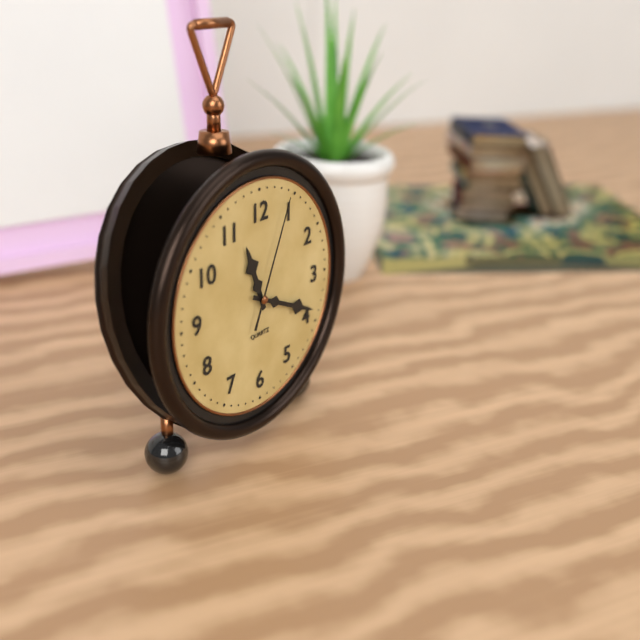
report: 11,19,04
